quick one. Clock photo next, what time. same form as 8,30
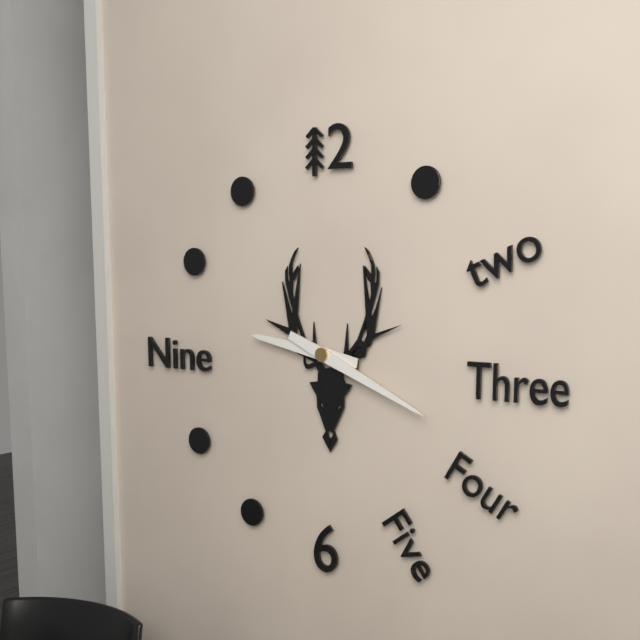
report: 9,19
